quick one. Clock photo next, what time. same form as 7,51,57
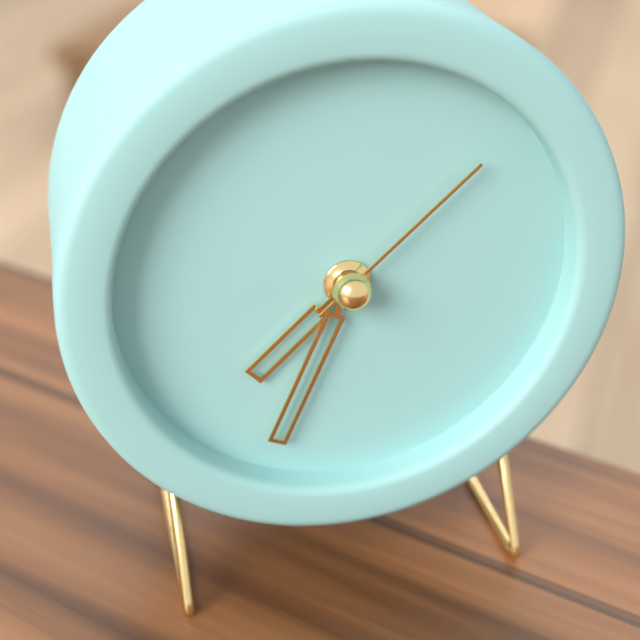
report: 7,34,08
